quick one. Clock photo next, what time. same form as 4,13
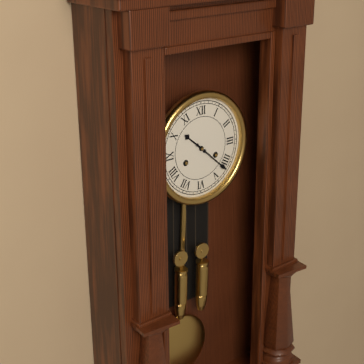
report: 10,22
